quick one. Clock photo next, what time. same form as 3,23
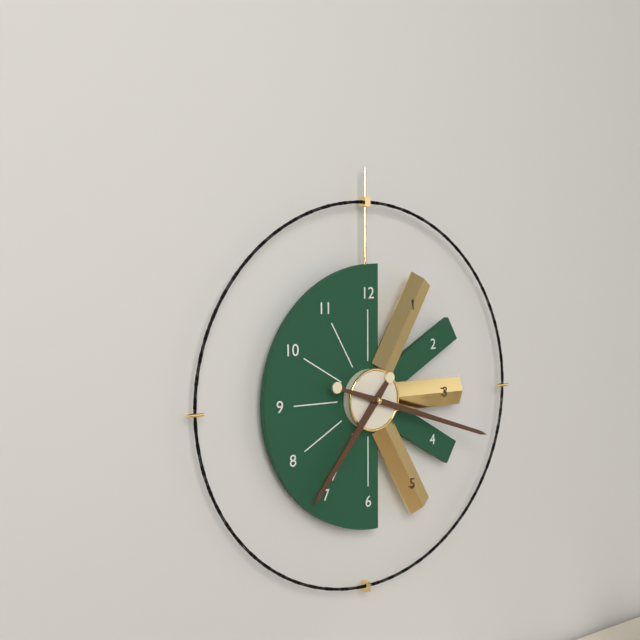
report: 7,18
